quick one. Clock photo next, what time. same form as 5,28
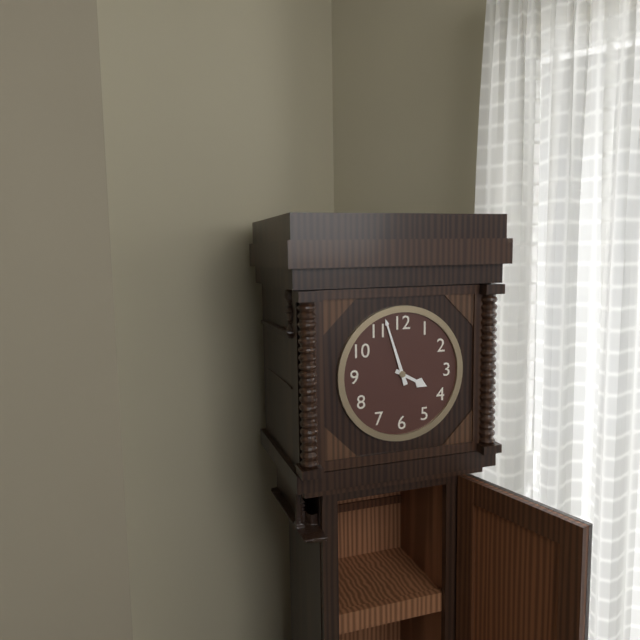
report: 3,57
